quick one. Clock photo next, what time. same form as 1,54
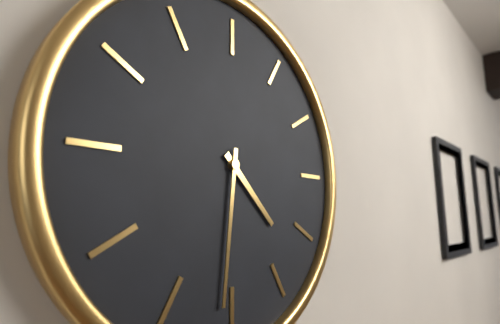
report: 4,31
